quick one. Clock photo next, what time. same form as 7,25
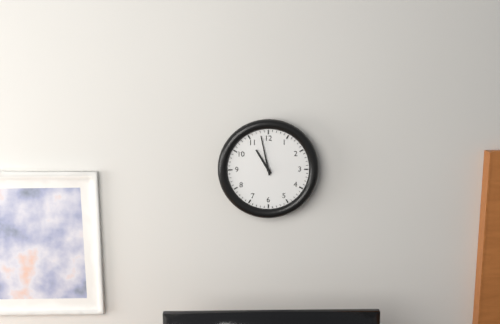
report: 10,58
